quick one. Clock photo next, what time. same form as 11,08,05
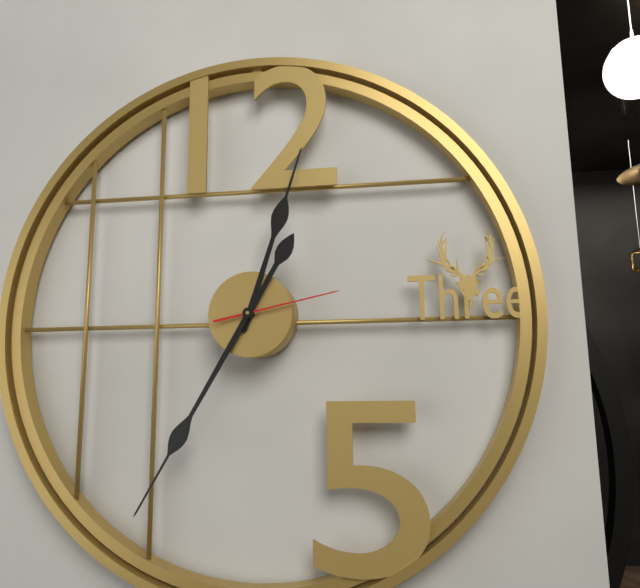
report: 12,35,13
